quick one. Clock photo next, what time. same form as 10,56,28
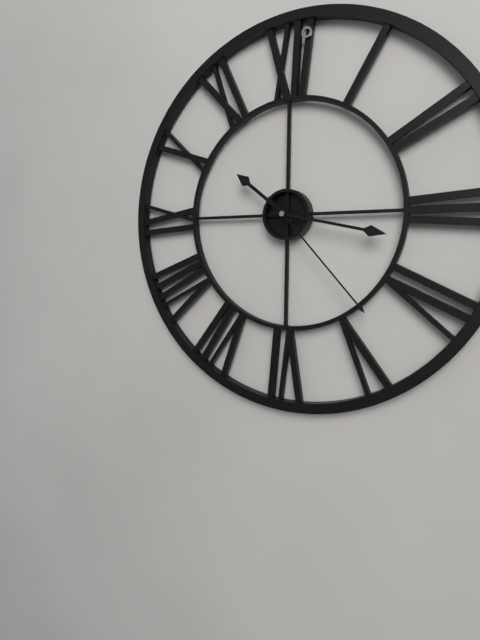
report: 10,17,23
